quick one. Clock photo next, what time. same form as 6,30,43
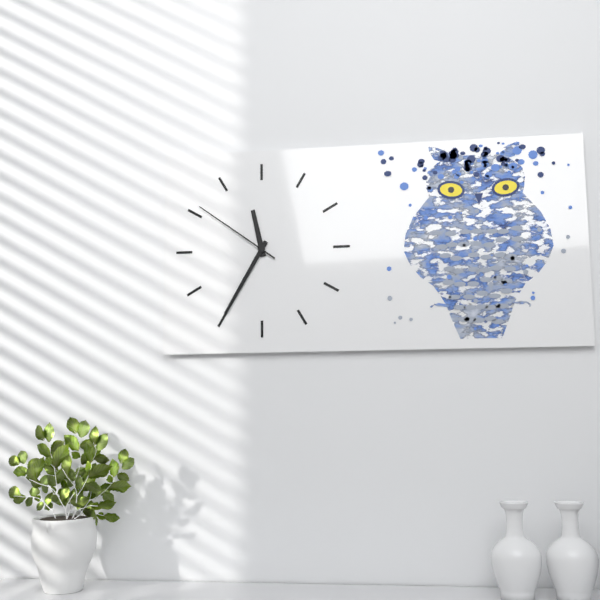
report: 11,35,51
